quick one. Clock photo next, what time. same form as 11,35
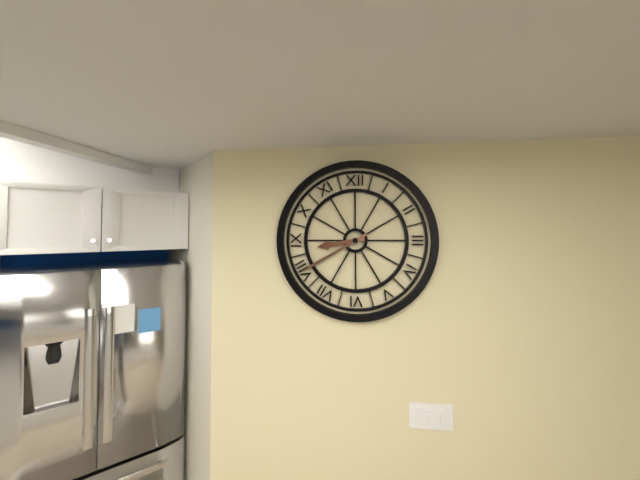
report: 8,40
